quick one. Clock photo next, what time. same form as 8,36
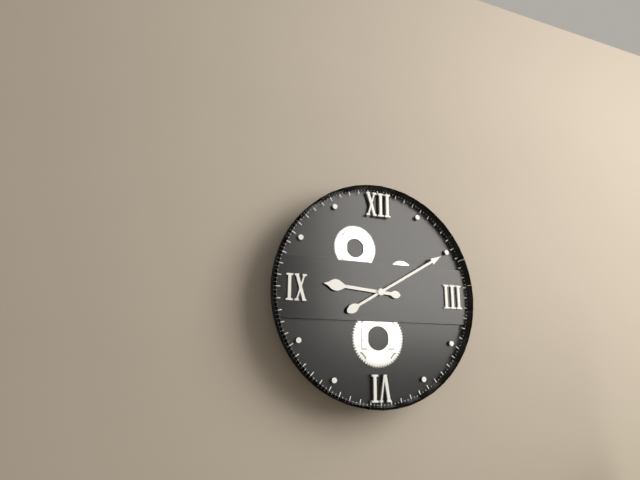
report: 9,10
